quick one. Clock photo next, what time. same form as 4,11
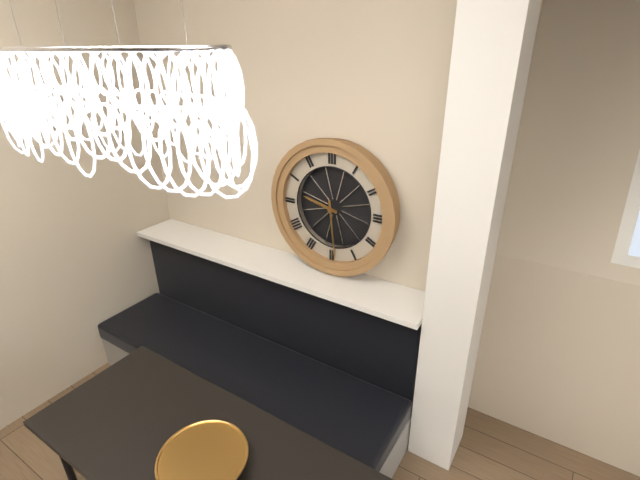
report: 9,29
